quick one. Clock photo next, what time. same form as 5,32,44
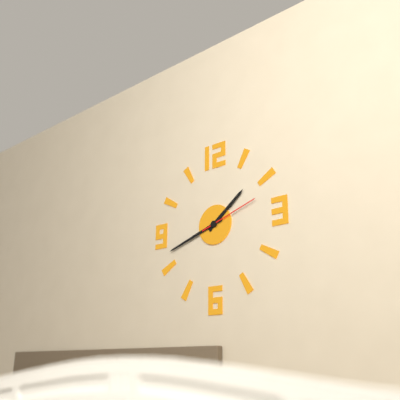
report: 1,42,12
